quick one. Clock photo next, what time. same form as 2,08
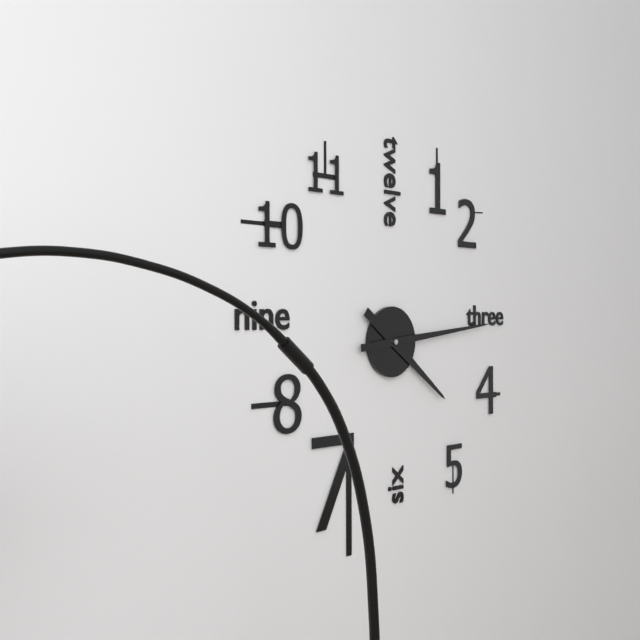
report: 4,14
